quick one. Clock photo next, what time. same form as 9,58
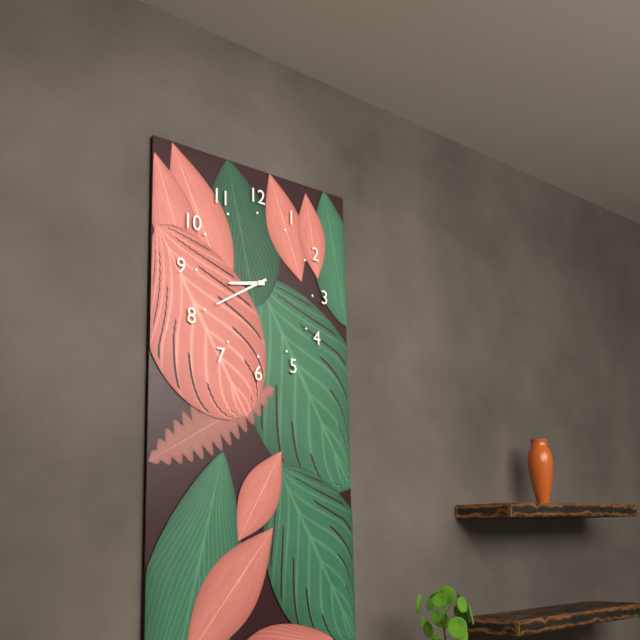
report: 8,40
